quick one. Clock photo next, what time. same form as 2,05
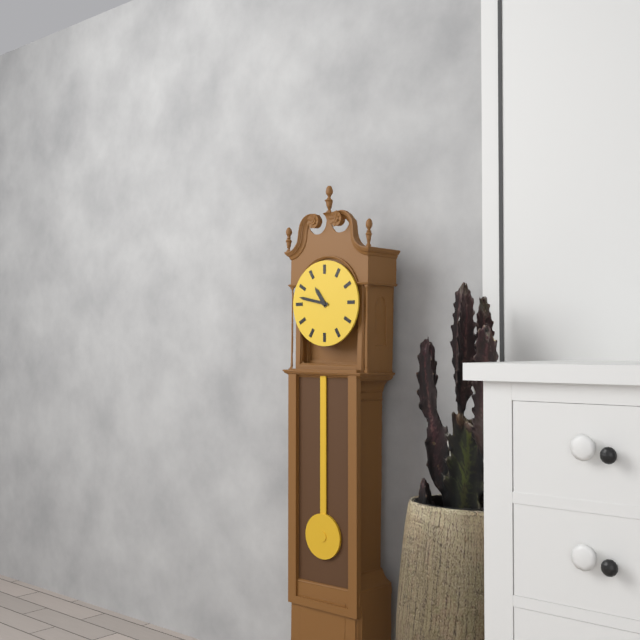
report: 10,47
